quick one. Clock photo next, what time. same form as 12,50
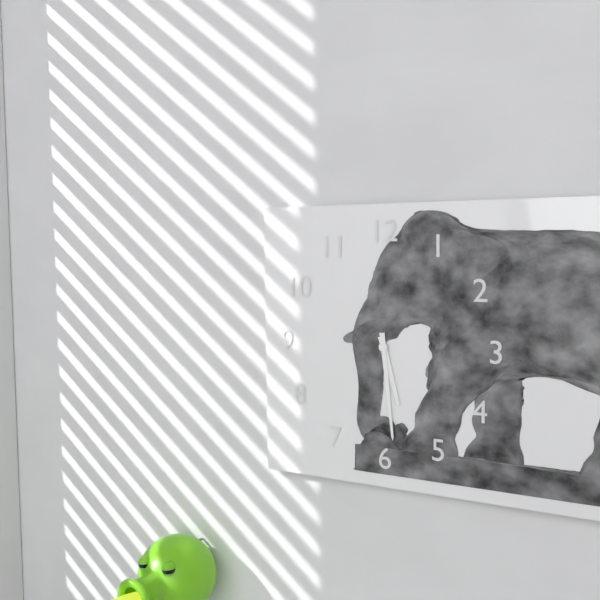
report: 5,29
